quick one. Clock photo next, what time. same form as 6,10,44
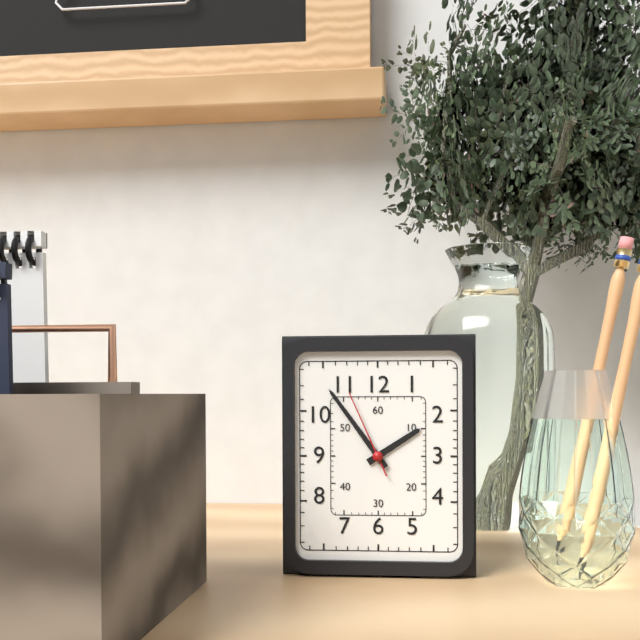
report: 1,54,56
